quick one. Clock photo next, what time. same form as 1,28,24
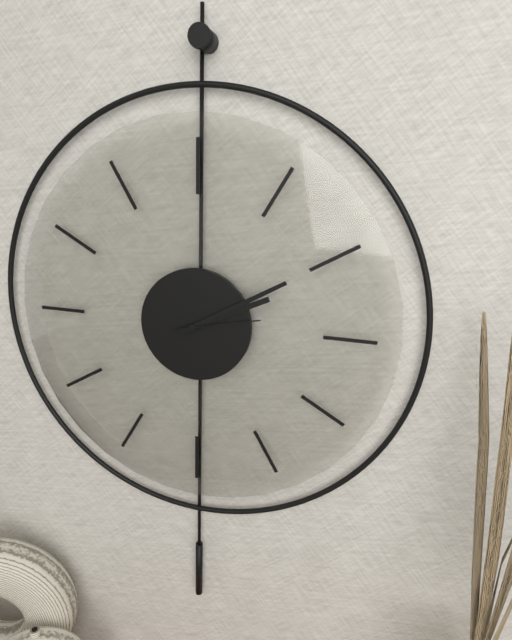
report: 2,10,13
